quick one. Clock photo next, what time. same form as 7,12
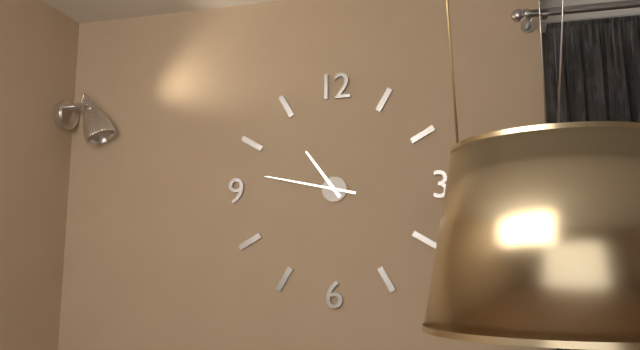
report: 10,47
